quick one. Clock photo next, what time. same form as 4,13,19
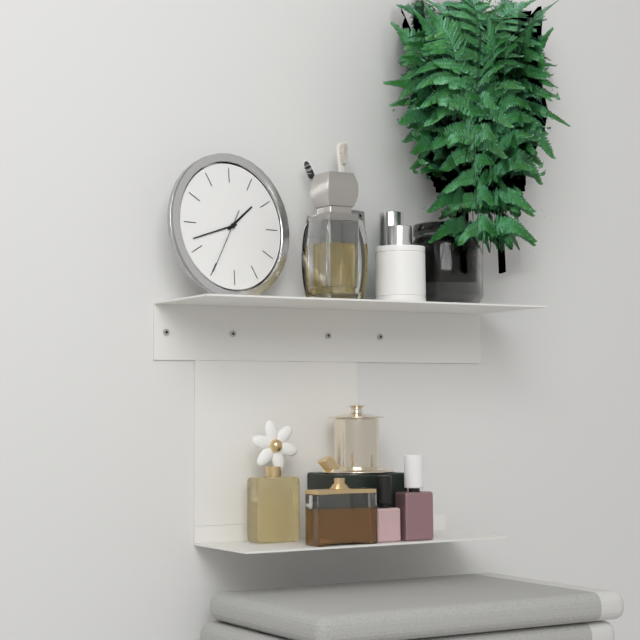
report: 1,42,35
